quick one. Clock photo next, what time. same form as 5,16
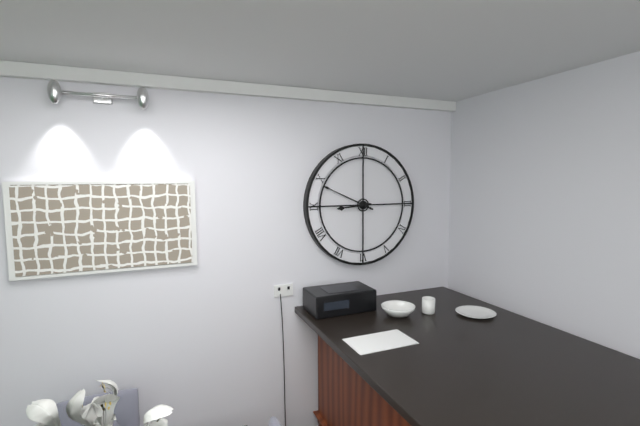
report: 8,49
